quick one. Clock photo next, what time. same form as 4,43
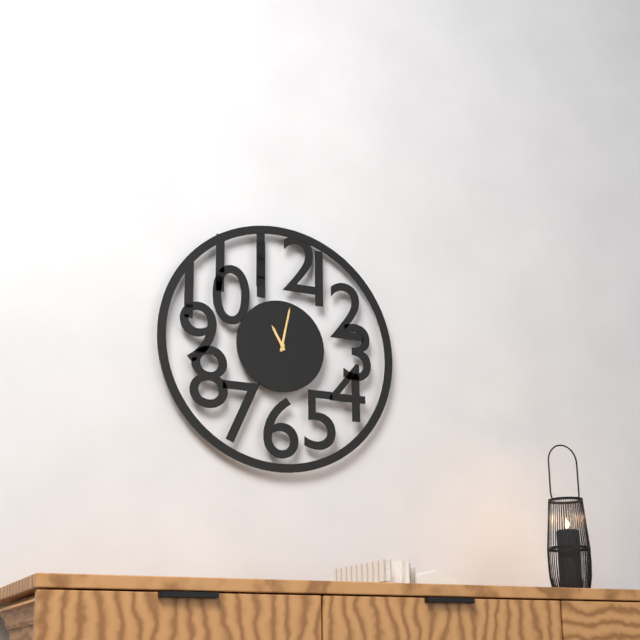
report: 11,02
